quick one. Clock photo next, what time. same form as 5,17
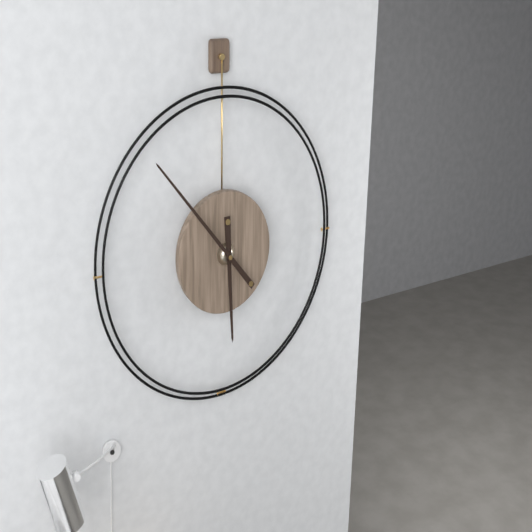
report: 5,53
